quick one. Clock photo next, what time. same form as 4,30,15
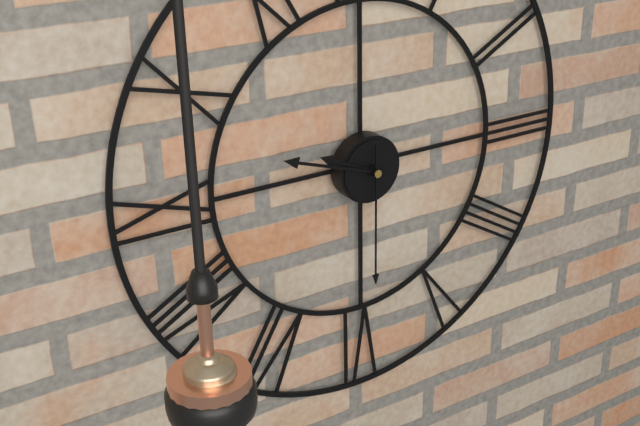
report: 9,48,30
